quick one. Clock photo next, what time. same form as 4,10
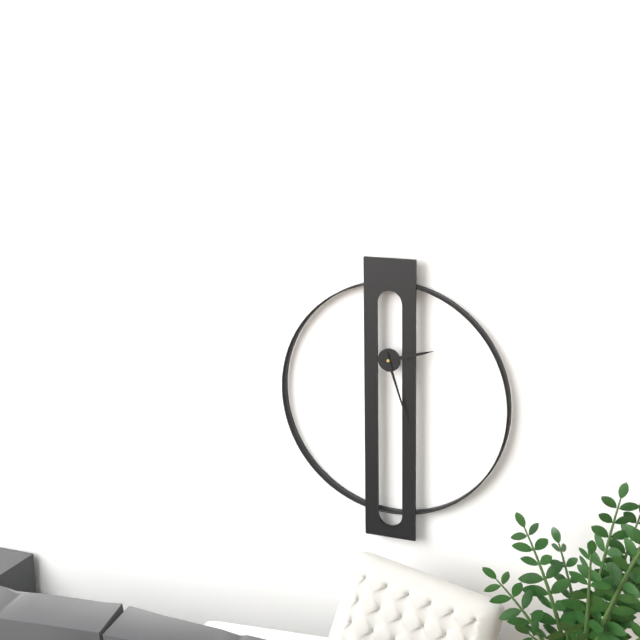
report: 2,27
